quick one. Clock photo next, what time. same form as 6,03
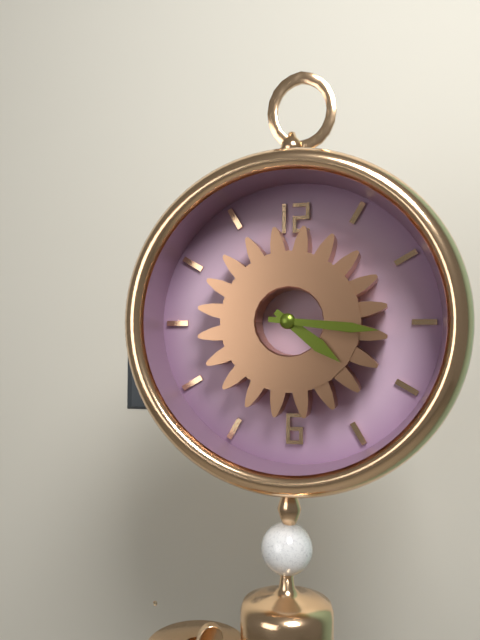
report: 4,16
